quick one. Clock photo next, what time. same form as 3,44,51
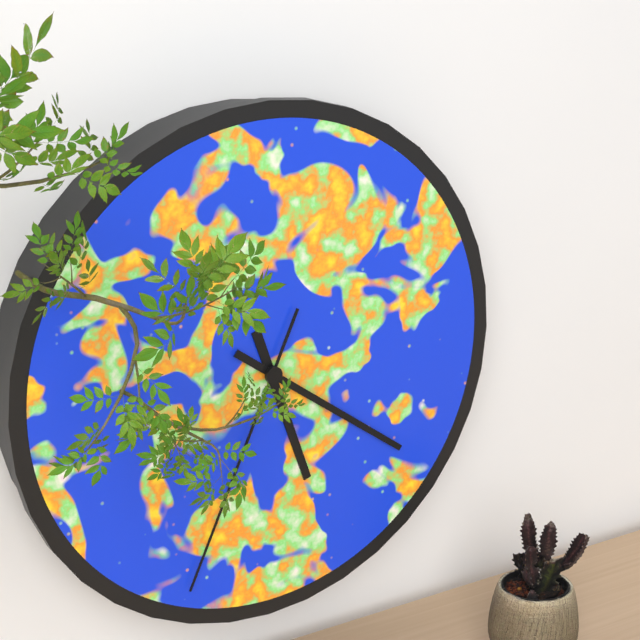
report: 5,21,34
